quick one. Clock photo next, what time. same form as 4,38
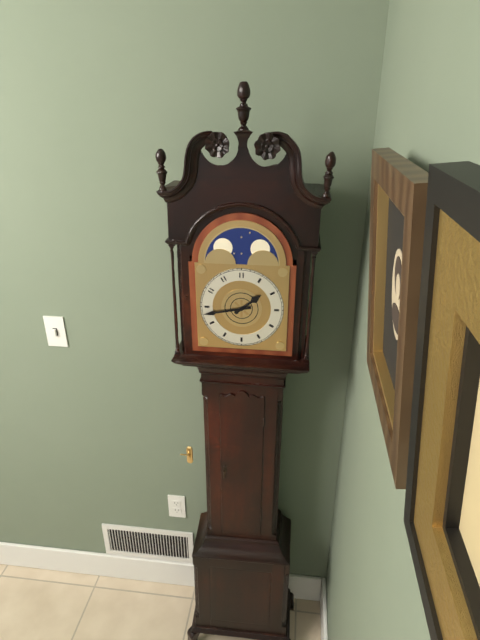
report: 1,43
